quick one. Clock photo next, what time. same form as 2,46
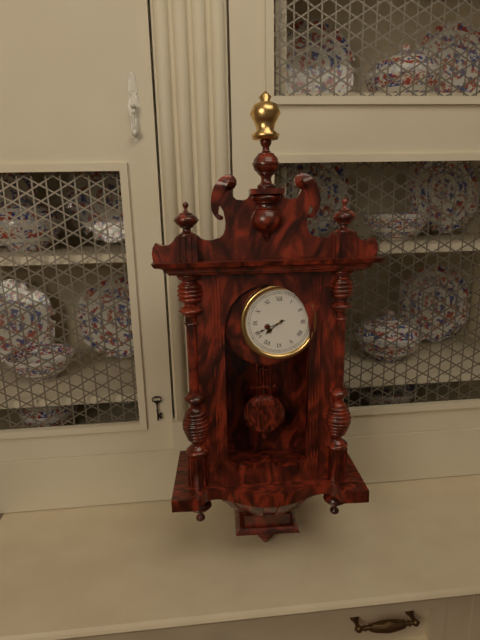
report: 7,41
